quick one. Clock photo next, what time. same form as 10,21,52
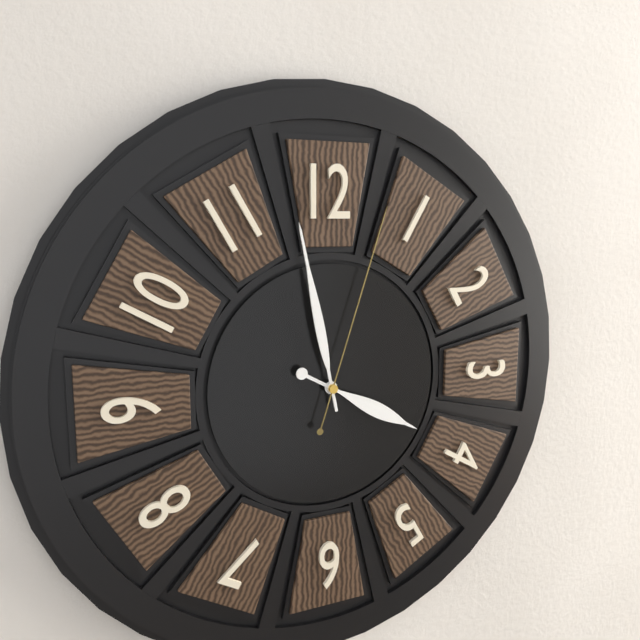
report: 3,58,03
